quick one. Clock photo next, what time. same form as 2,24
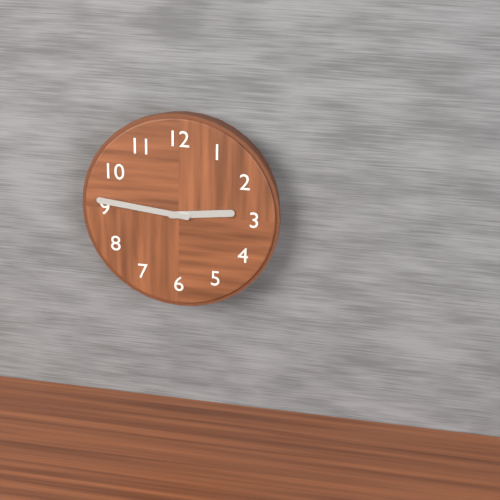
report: 2,46
